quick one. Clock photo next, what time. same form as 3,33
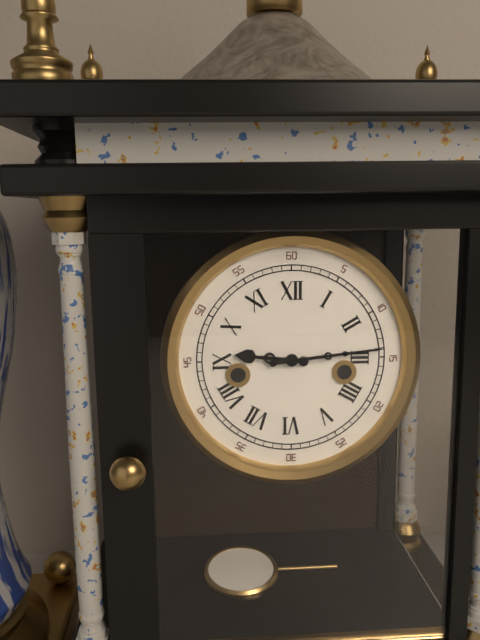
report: 9,14
